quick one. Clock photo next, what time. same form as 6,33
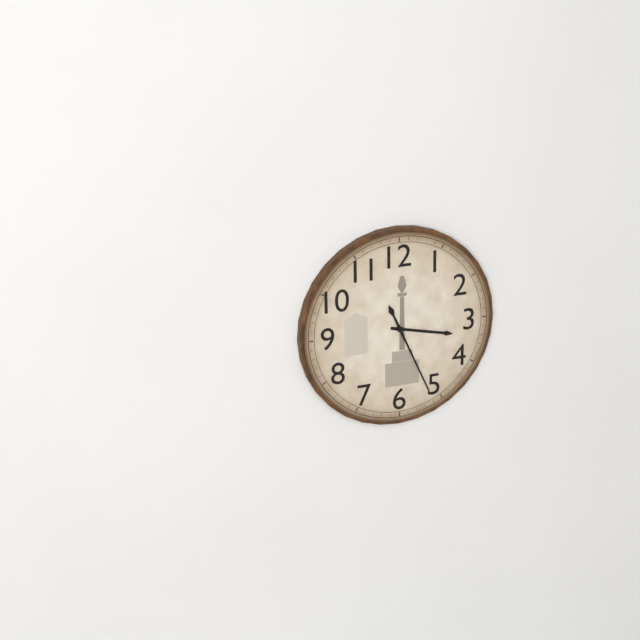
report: 3,26
